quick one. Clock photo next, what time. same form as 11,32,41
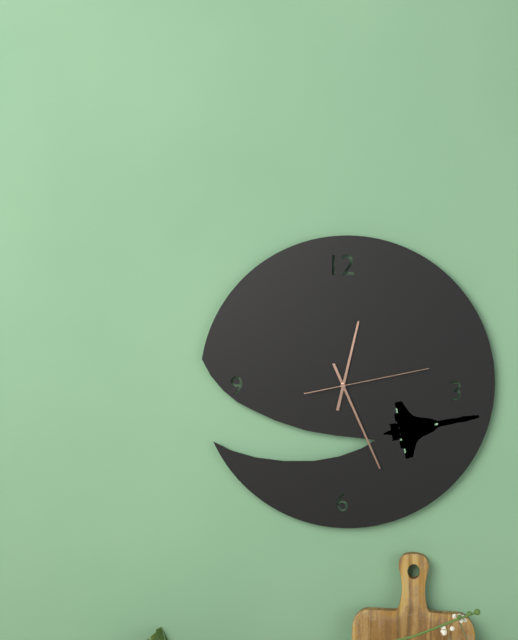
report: 12,26,13
